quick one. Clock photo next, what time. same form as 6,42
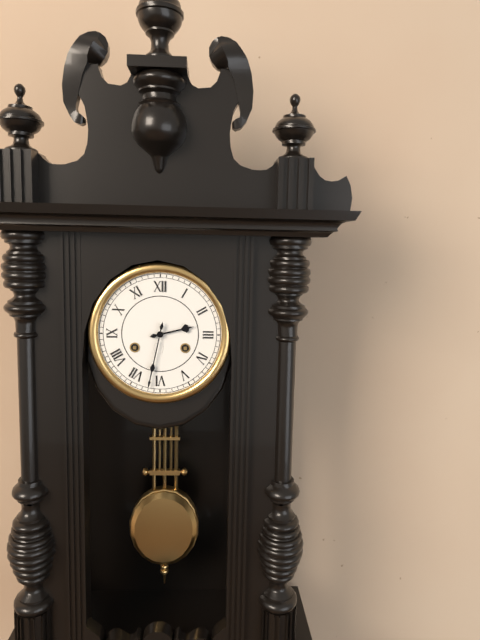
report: 2,32
